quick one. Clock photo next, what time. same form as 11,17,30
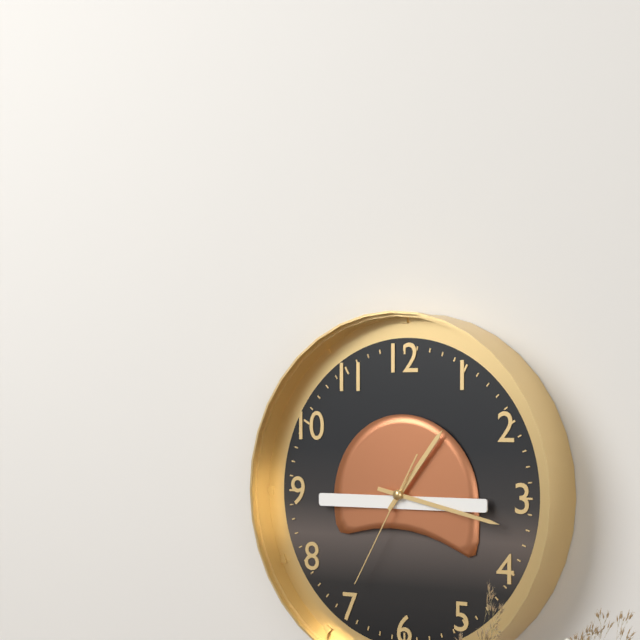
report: 1,17,35
